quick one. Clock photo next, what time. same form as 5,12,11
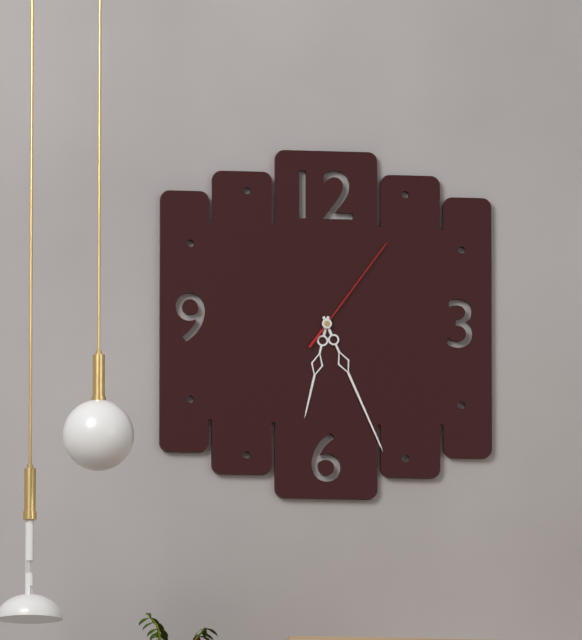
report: 6,26,06
